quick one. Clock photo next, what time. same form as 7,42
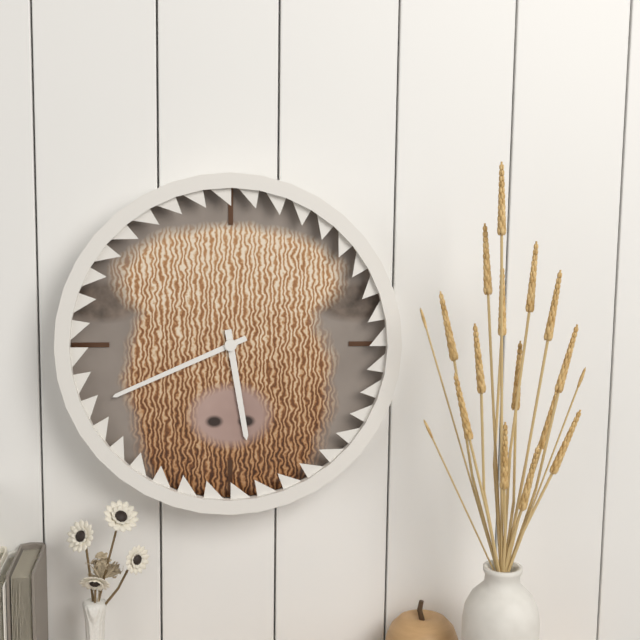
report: 5,41
